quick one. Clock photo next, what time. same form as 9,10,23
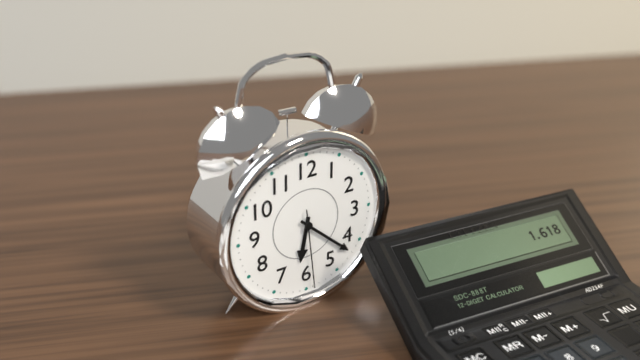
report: 6,22,29
